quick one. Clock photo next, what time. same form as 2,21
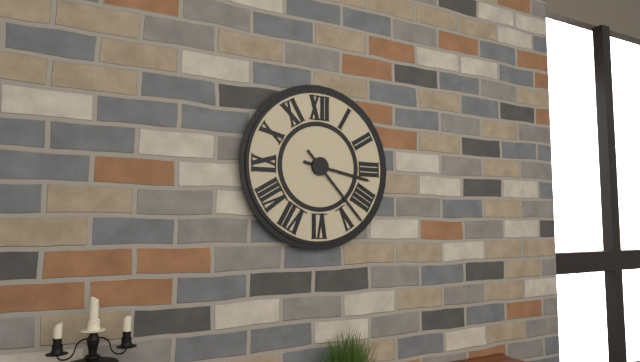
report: 3,23
